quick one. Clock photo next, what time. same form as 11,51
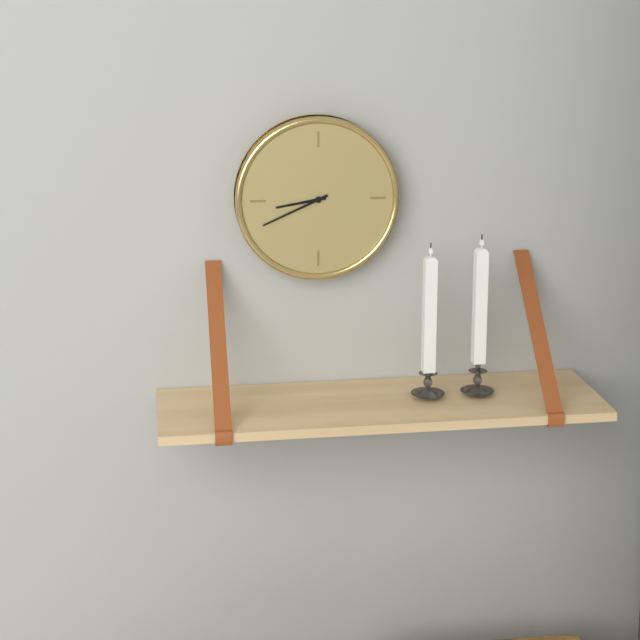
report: 8,41
